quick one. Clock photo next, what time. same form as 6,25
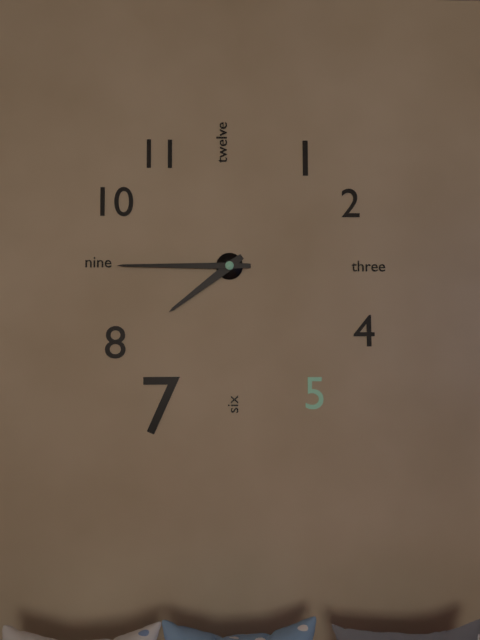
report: 7,45
